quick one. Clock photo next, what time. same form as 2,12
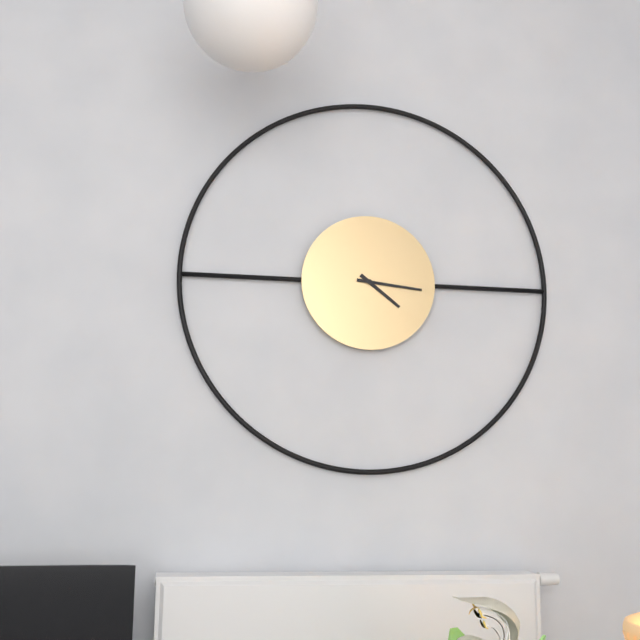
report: 4,16
